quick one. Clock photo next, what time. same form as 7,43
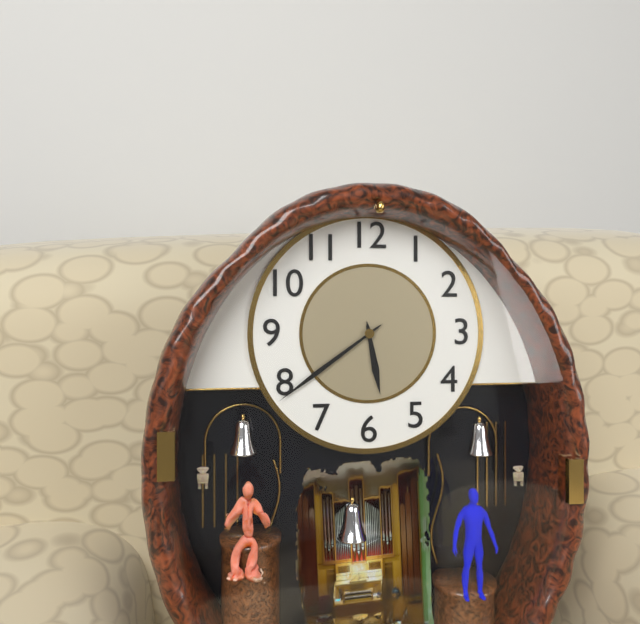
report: 5,39
